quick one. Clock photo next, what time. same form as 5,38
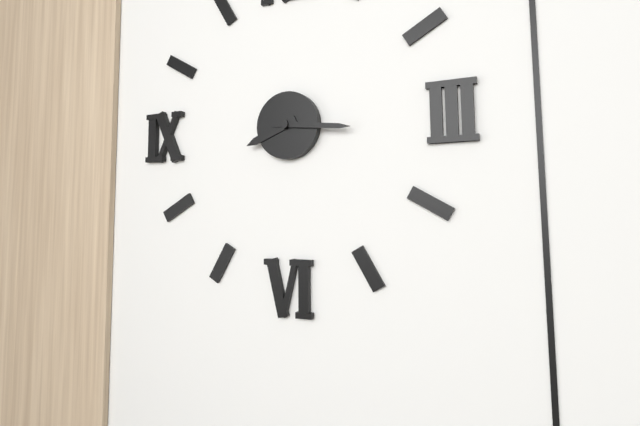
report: 8,16
